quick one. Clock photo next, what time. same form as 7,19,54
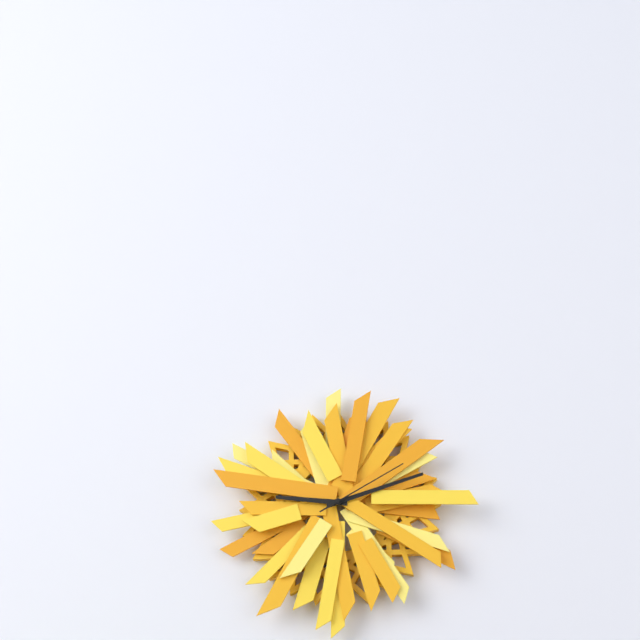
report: 9,12,10
